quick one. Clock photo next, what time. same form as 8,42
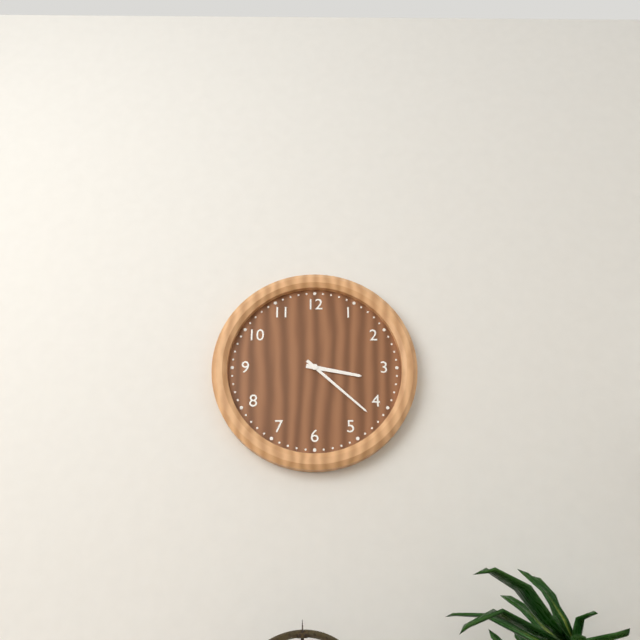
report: 3,22
